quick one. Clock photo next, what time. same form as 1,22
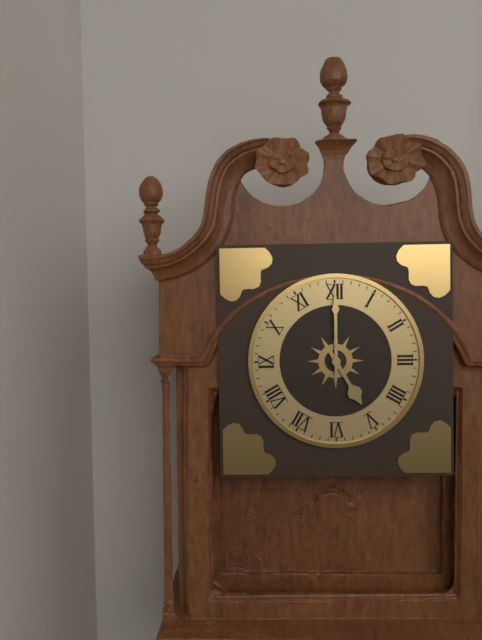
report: 5,00
